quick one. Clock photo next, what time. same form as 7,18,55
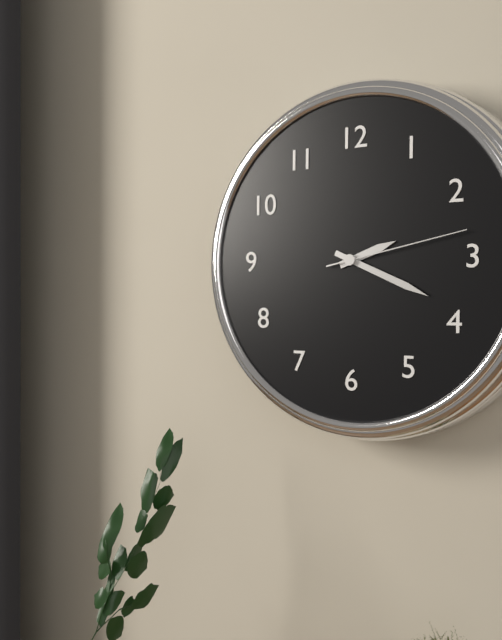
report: 2,19,13
